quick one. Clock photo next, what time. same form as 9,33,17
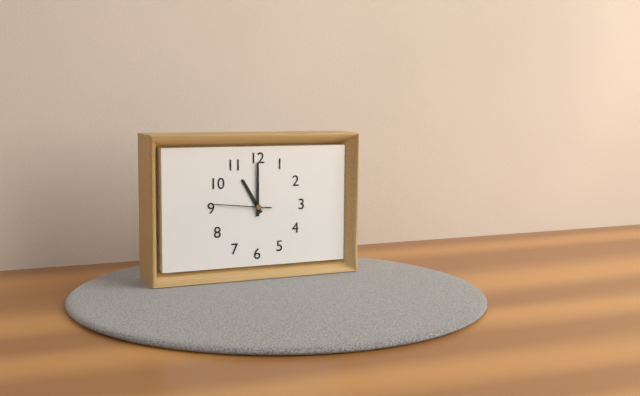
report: 11,00,46
